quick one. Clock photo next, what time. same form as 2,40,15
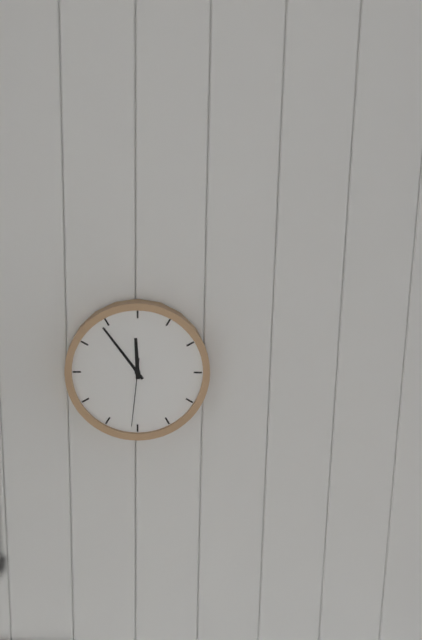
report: 11,54,31
